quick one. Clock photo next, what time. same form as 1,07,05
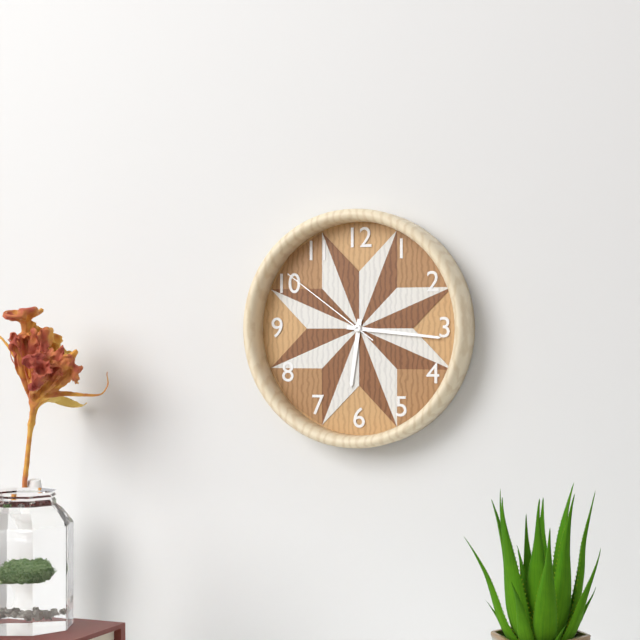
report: 6,16,51
